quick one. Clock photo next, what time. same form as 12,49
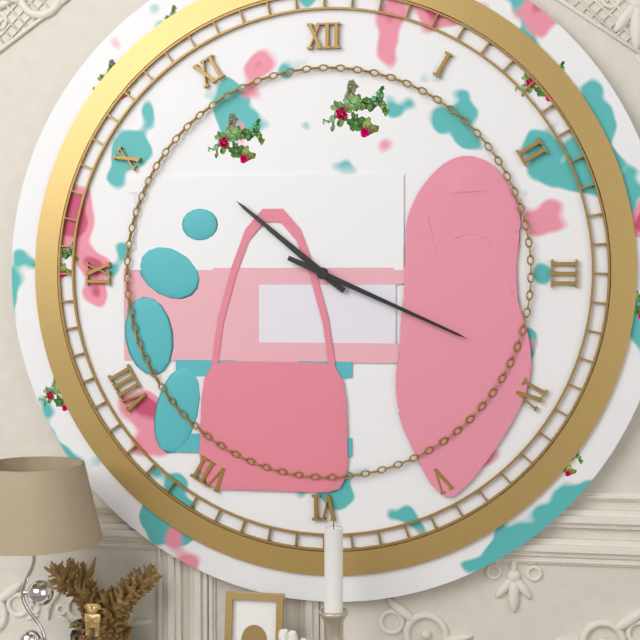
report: 10,19
